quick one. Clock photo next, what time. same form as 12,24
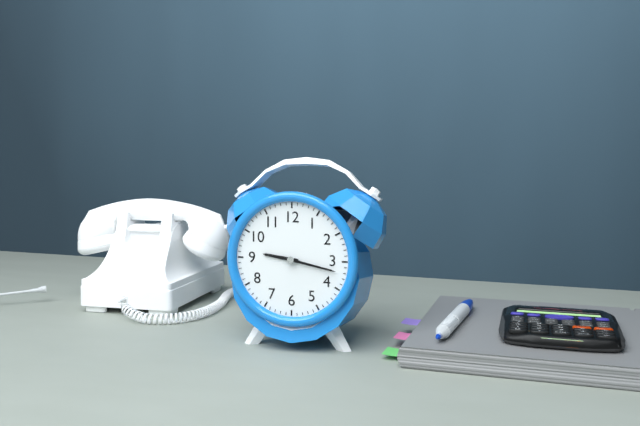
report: 9,17
